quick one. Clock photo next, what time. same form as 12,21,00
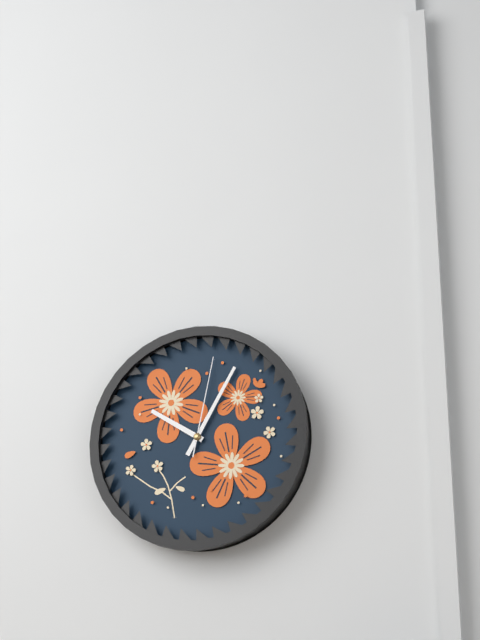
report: 10,05,02
